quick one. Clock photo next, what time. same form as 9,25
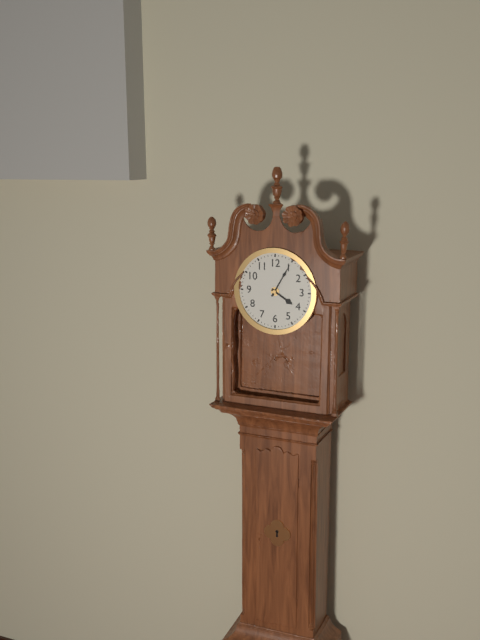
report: 4,05
